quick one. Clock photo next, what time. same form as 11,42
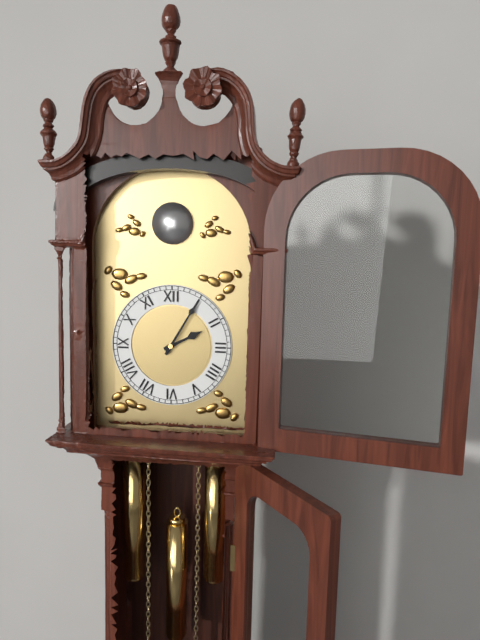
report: 2,05
